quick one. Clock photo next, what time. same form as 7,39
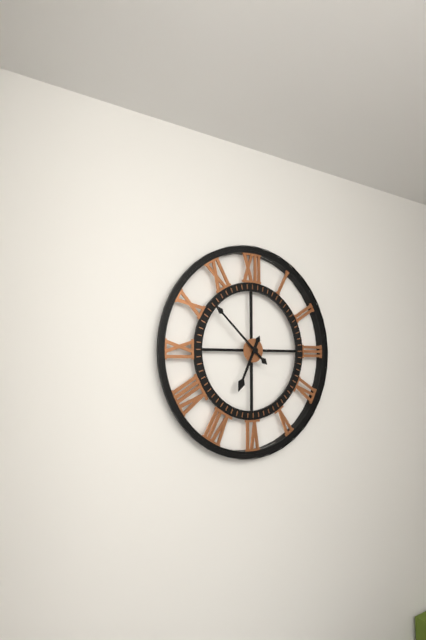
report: 6,52
